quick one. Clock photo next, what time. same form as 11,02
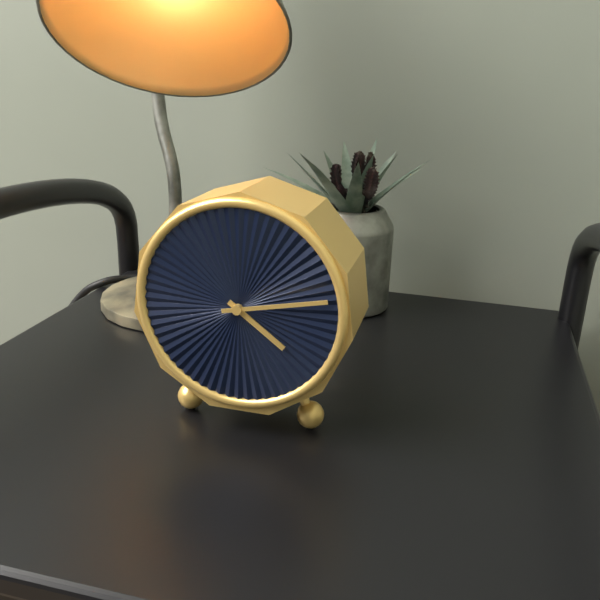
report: 4,13
